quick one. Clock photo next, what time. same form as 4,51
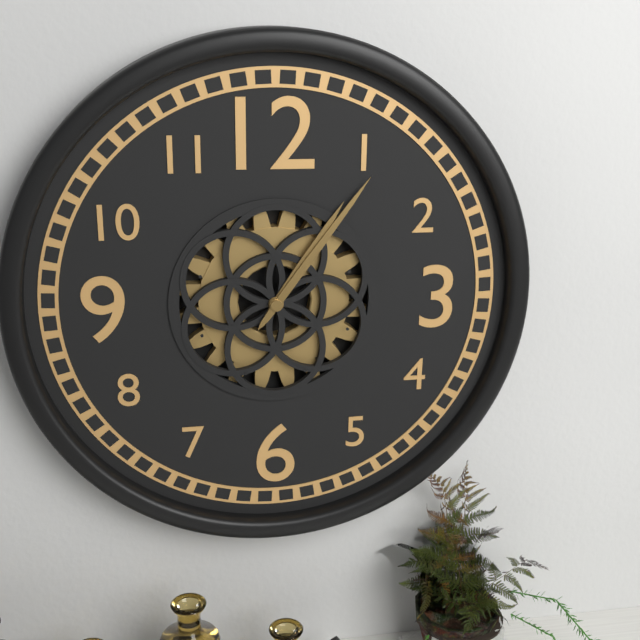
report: 1,06
